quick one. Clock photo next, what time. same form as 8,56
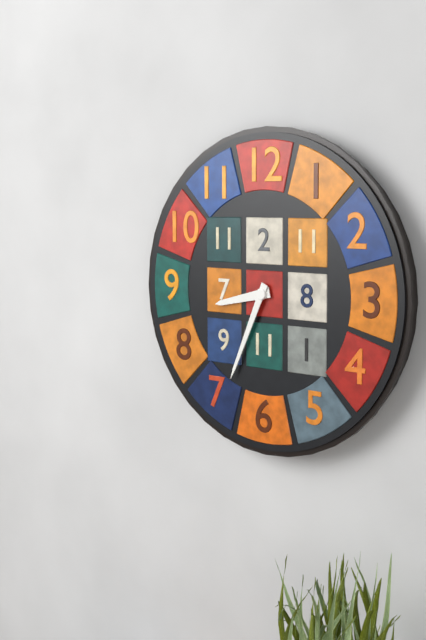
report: 8,34
